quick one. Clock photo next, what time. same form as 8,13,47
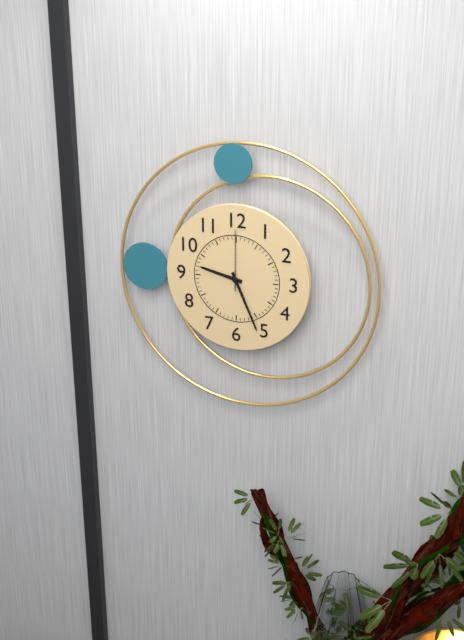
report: 9,26,00
